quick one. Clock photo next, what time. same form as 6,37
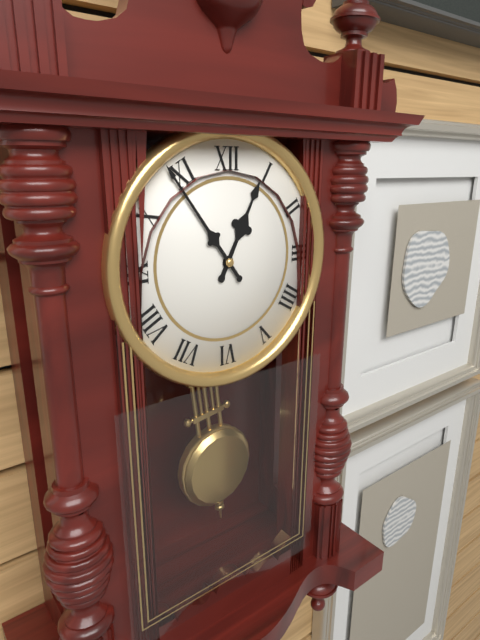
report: 12,54
